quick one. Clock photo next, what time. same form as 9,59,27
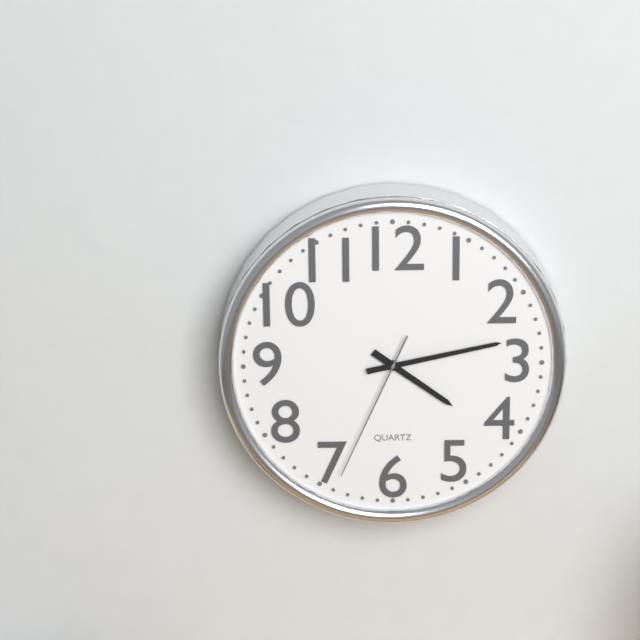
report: 4,13,34
